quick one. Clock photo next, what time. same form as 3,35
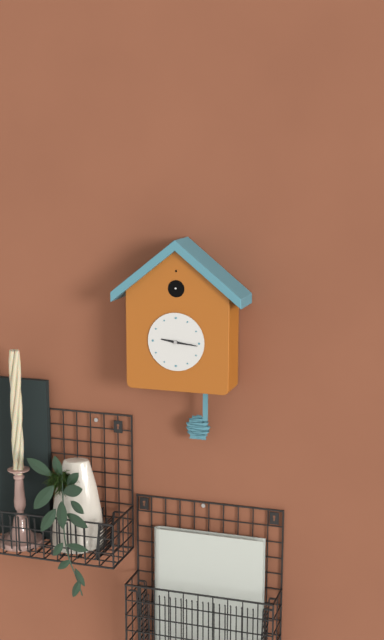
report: 9,16
